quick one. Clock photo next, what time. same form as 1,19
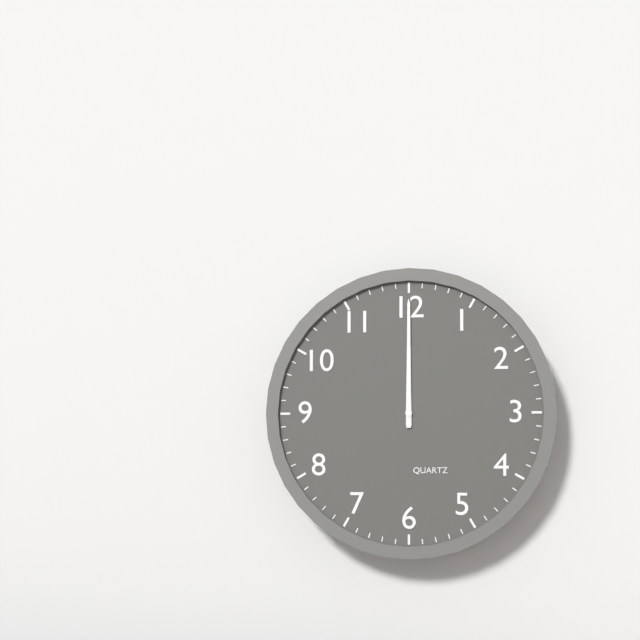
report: 12,00
